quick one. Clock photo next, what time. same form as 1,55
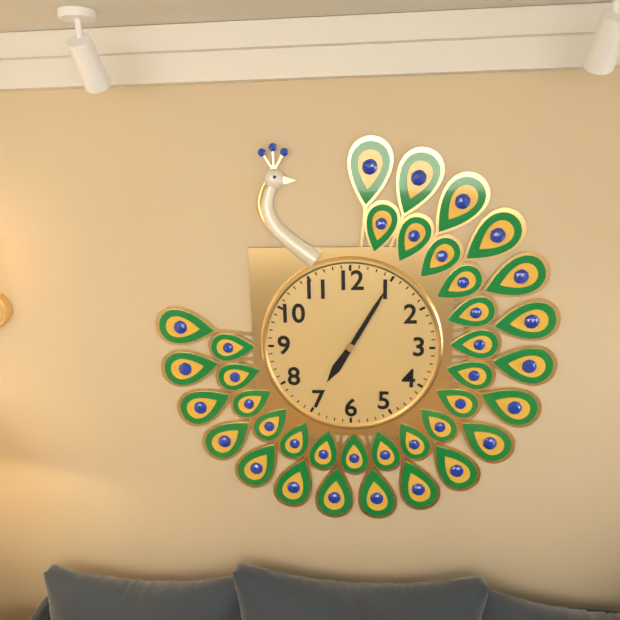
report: 7,05
